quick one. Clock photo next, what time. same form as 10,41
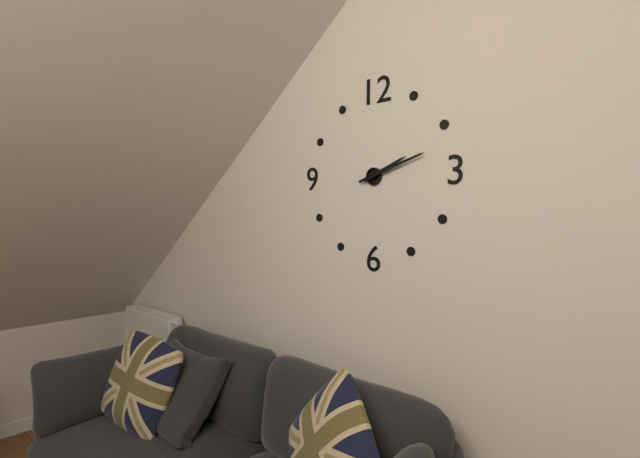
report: 2,12
